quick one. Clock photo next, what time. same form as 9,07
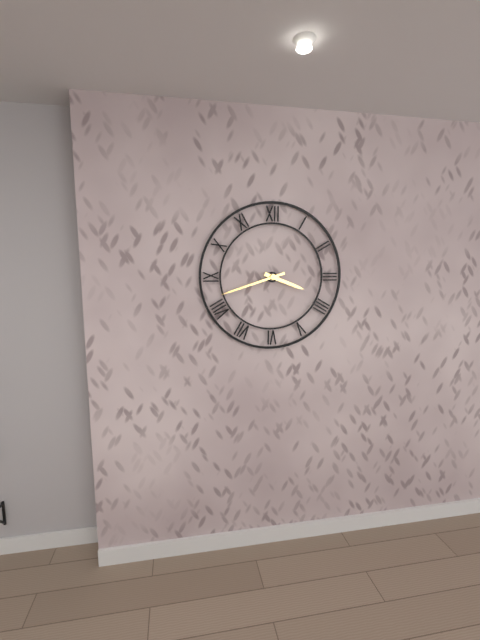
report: 3,42
